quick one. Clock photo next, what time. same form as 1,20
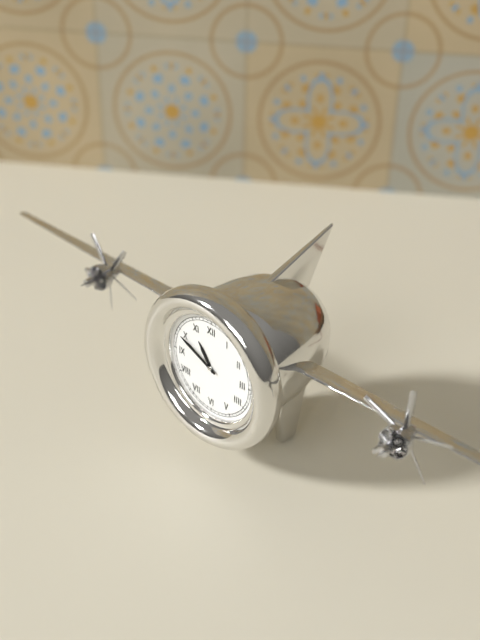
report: 10,49
